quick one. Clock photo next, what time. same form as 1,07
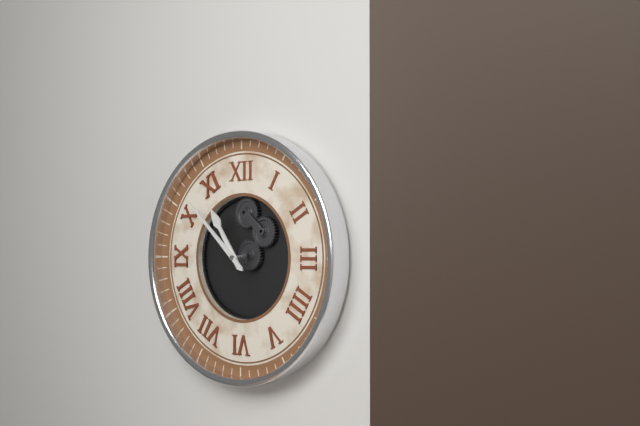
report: 10,52
